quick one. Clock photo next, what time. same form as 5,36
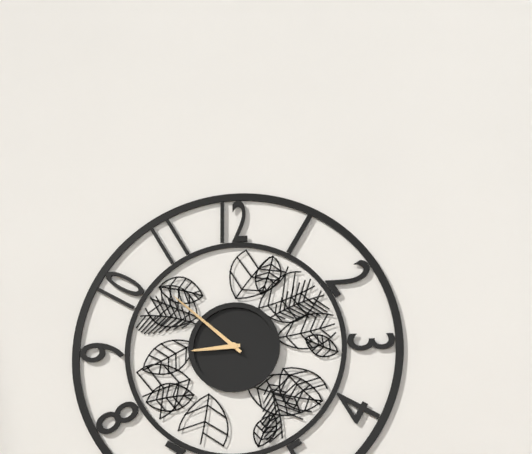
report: 8,52
